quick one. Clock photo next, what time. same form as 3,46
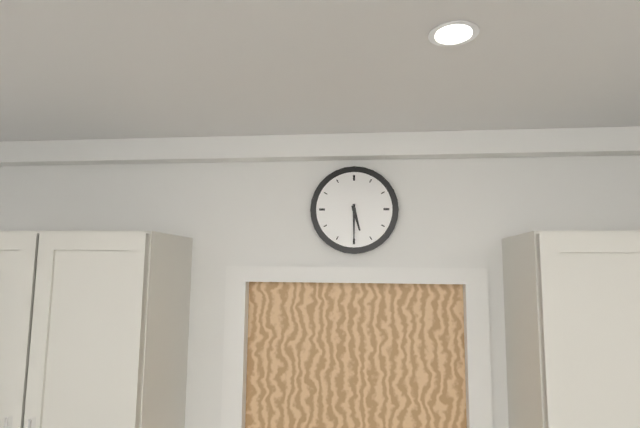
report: 5,30
